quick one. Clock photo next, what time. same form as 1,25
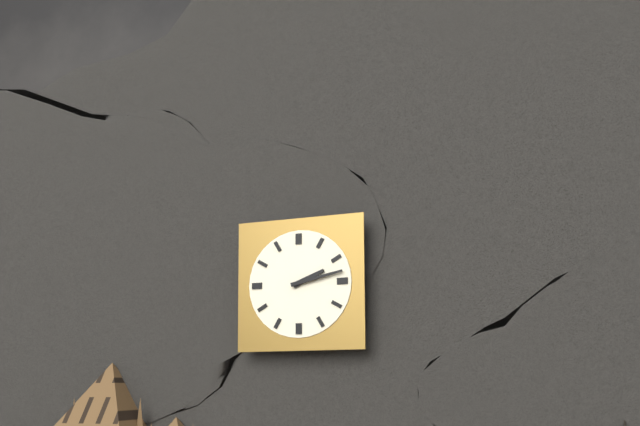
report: 2,13
